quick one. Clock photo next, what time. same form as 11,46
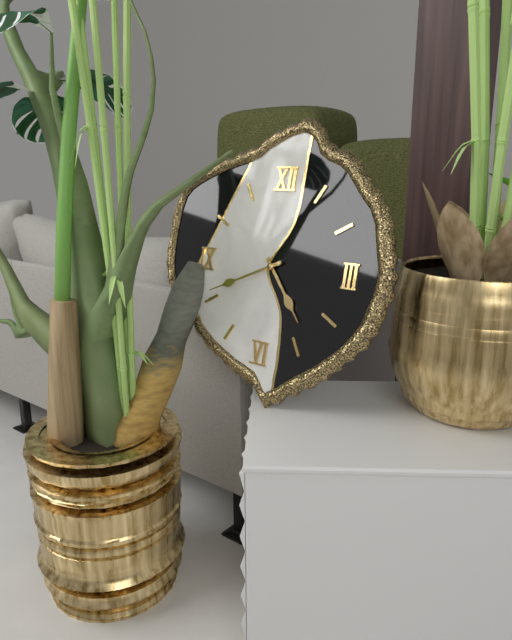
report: 4,41
